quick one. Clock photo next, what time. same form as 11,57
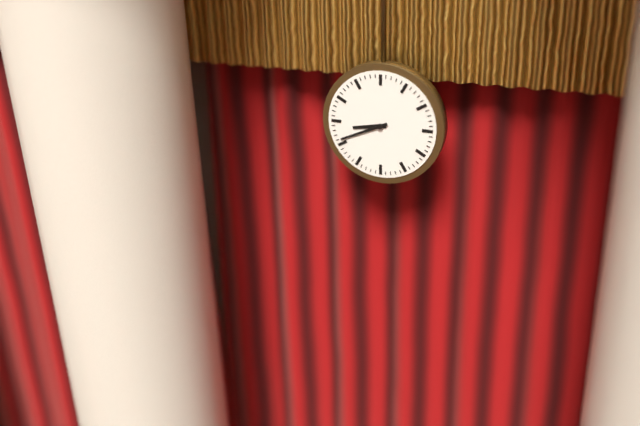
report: 8,41
